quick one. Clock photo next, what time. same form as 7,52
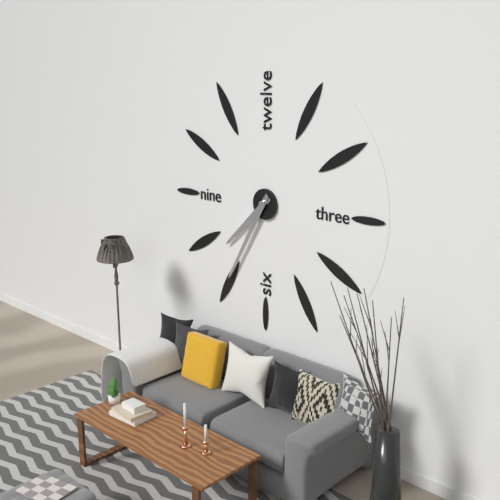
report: 7,35
